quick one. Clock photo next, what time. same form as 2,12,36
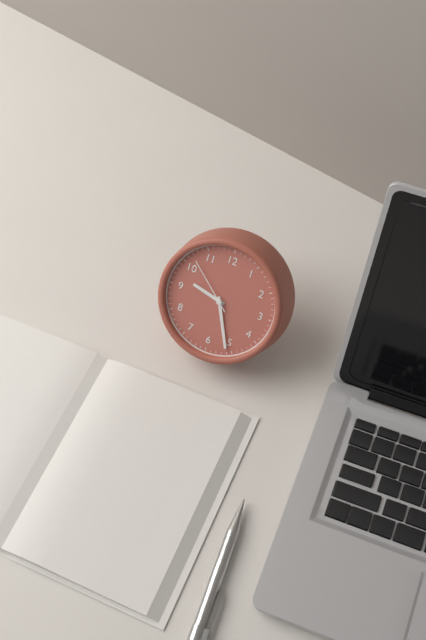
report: 9,26,52
